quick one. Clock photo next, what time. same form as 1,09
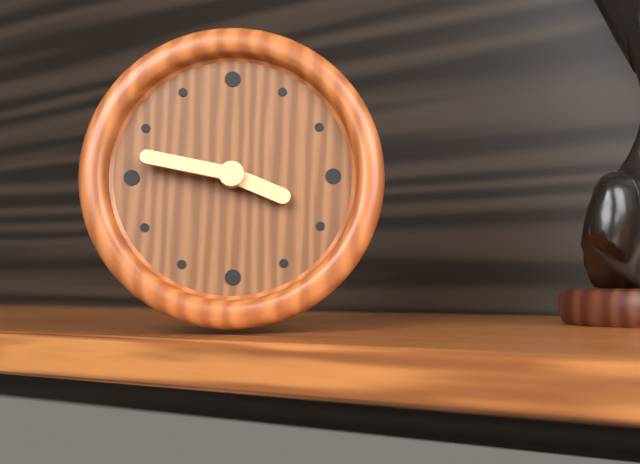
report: 3,47
